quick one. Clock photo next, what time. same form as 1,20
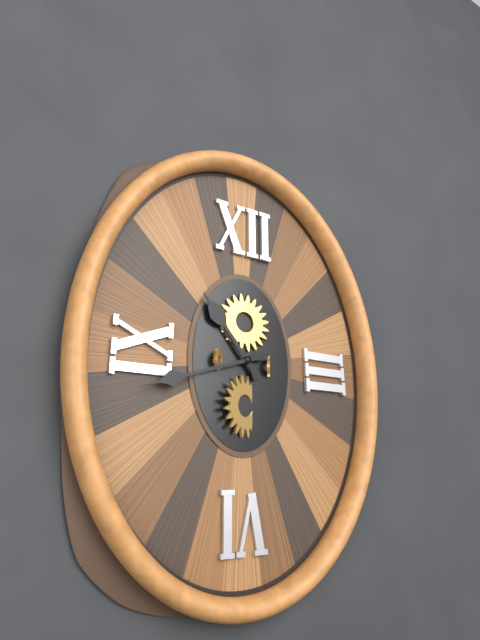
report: 10,42
